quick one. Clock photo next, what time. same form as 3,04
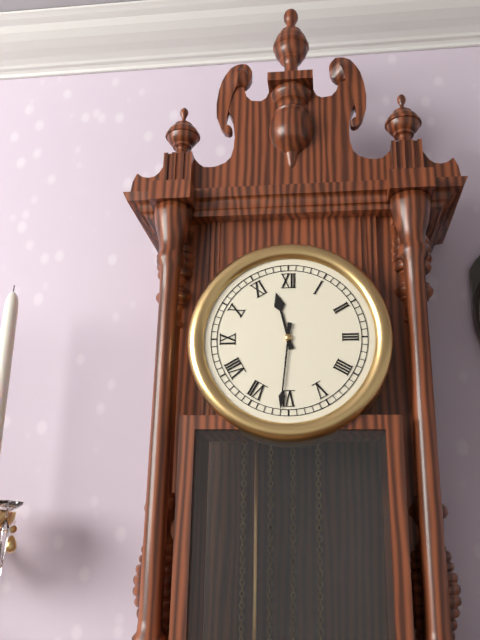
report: 11,31
